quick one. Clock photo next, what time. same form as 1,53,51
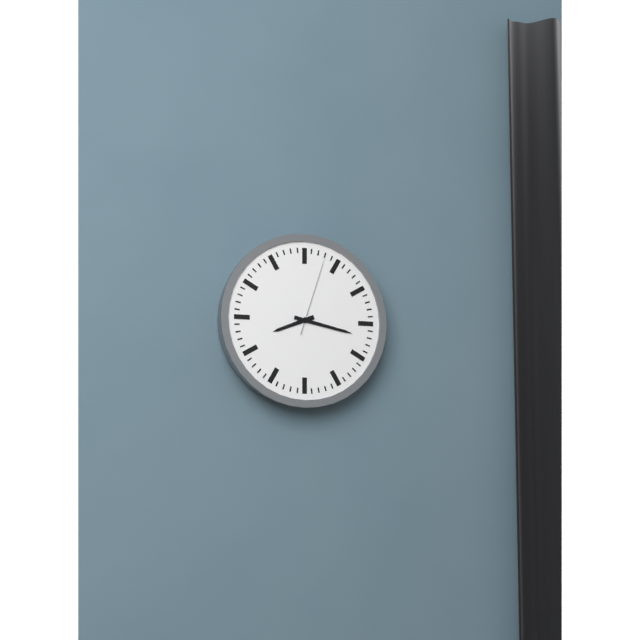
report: 8,17,03
